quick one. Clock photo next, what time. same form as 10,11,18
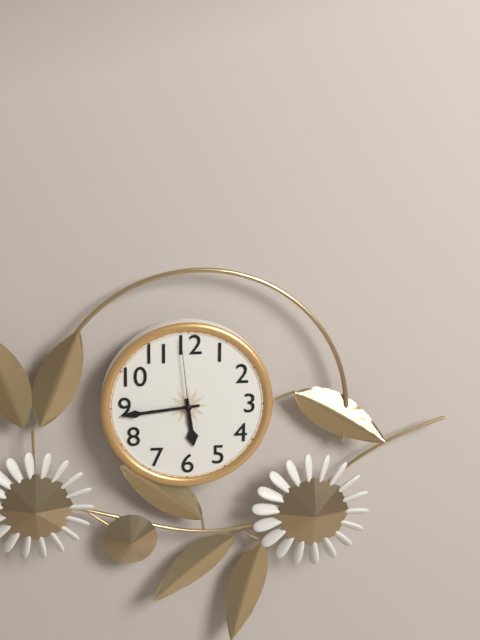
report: 5,44,59
